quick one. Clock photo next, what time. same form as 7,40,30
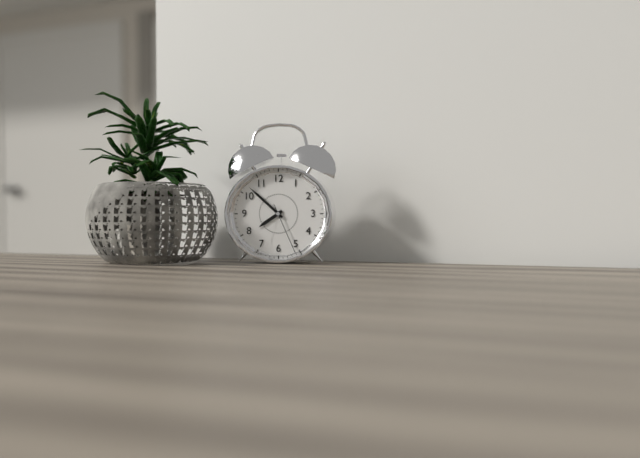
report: 7,52,26
